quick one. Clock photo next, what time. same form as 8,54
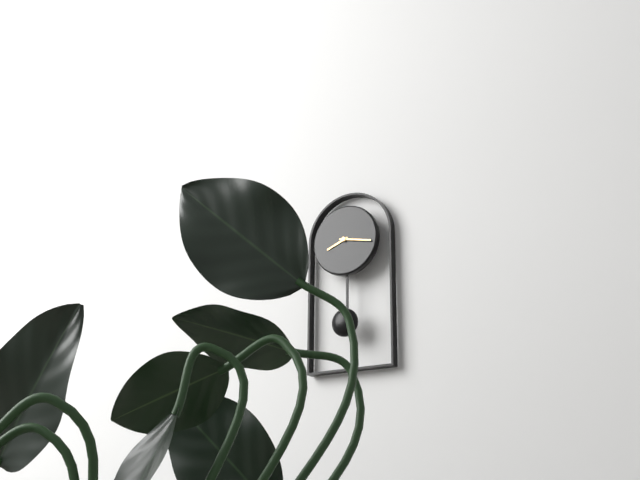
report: 8,17
